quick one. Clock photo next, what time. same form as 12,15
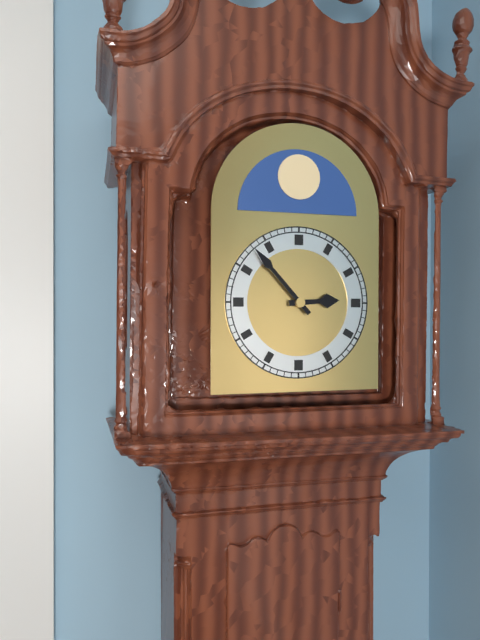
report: 2,53
